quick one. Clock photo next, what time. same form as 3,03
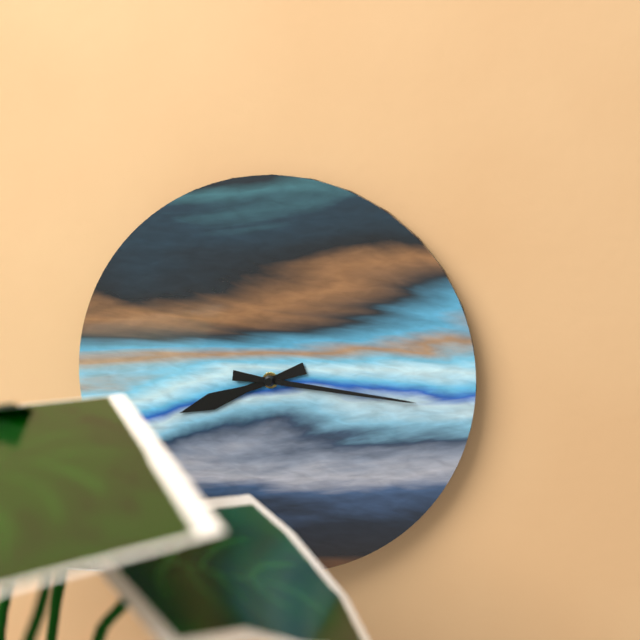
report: 8,16
